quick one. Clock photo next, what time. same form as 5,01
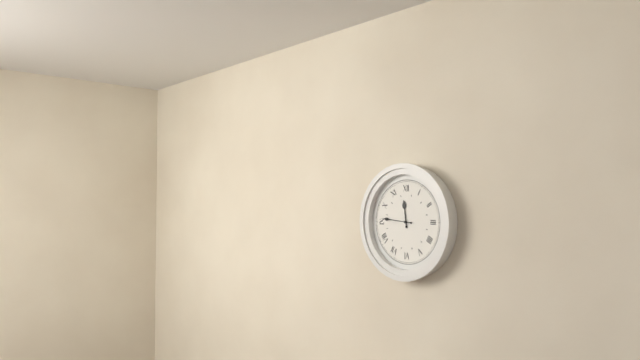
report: 11,46
